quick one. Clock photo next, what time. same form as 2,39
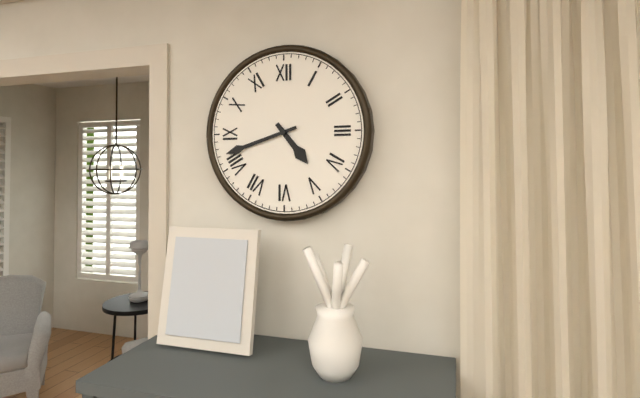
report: 4,42
